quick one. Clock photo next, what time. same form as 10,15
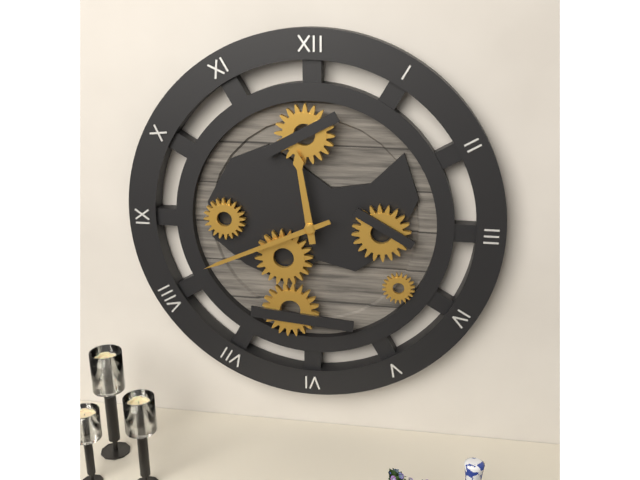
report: 11,41
